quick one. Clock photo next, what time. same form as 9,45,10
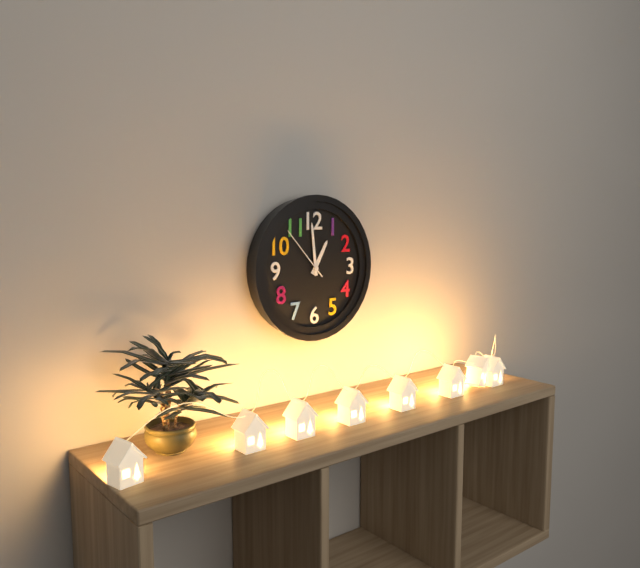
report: 12,59,53
